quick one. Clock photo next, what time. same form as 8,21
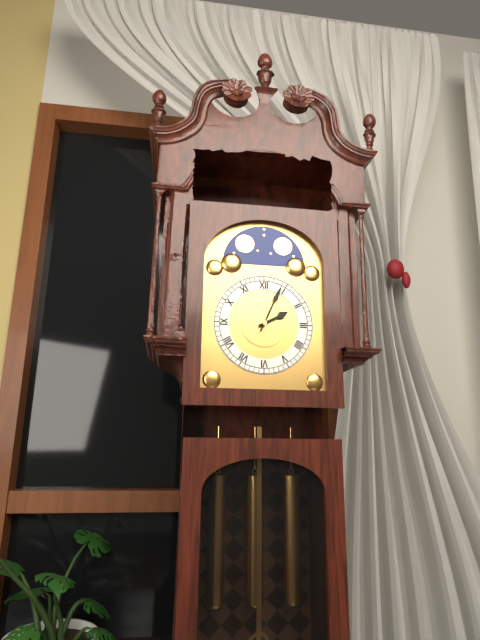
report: 2,04
